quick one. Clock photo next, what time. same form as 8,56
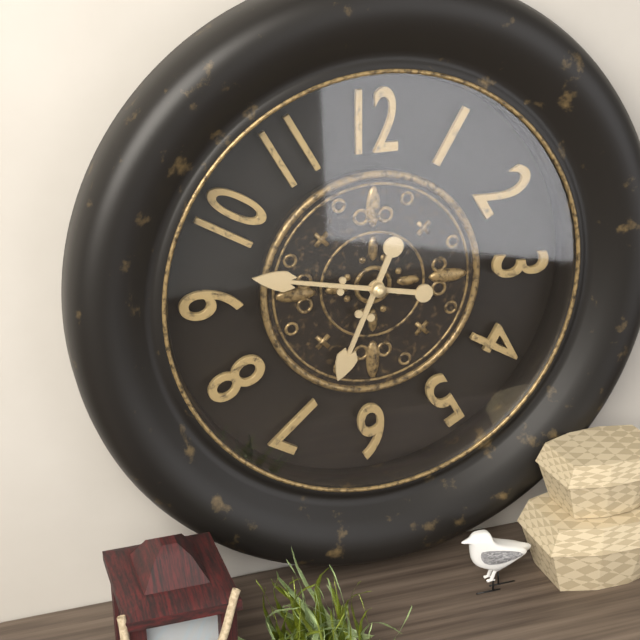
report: 6,47
